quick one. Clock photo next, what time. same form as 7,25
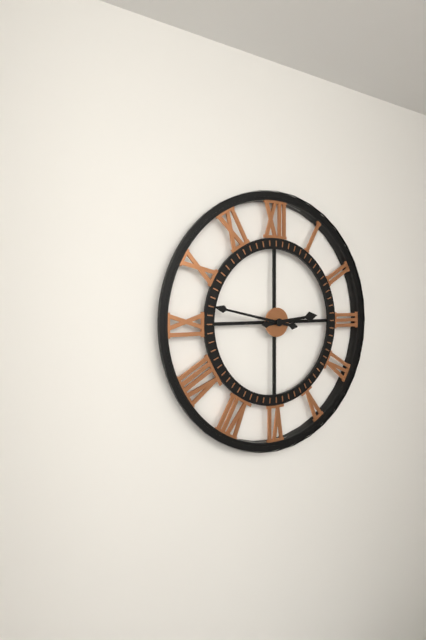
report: 2,47
